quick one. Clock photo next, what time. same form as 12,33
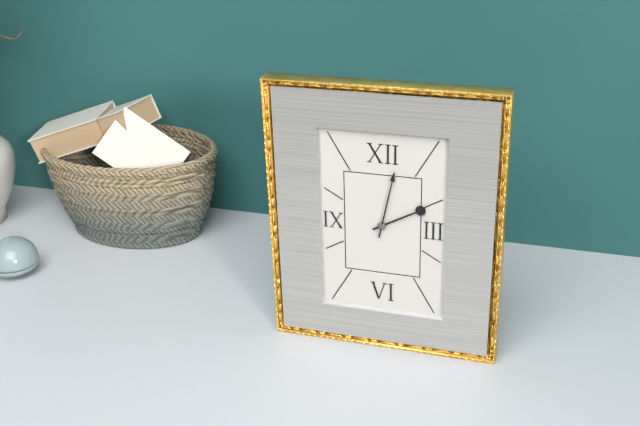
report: 2,02
